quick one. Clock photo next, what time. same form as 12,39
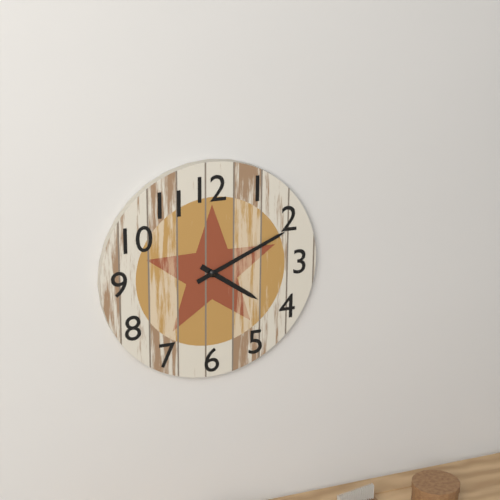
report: 4,11
